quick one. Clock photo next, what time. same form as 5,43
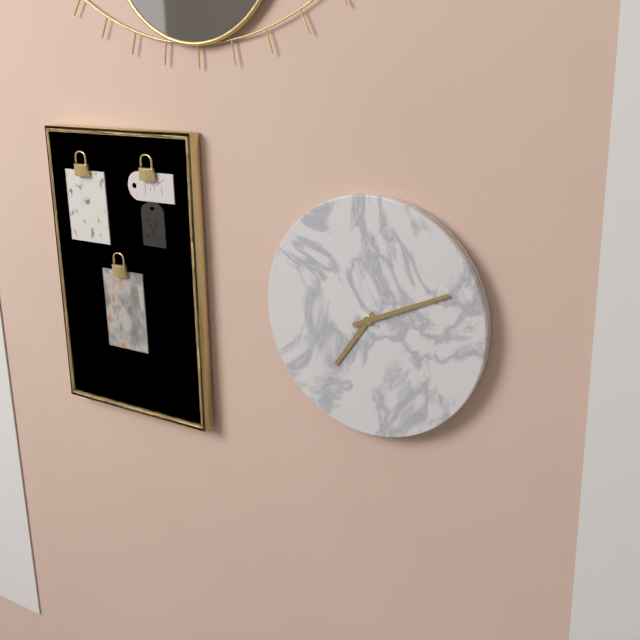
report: 7,11
